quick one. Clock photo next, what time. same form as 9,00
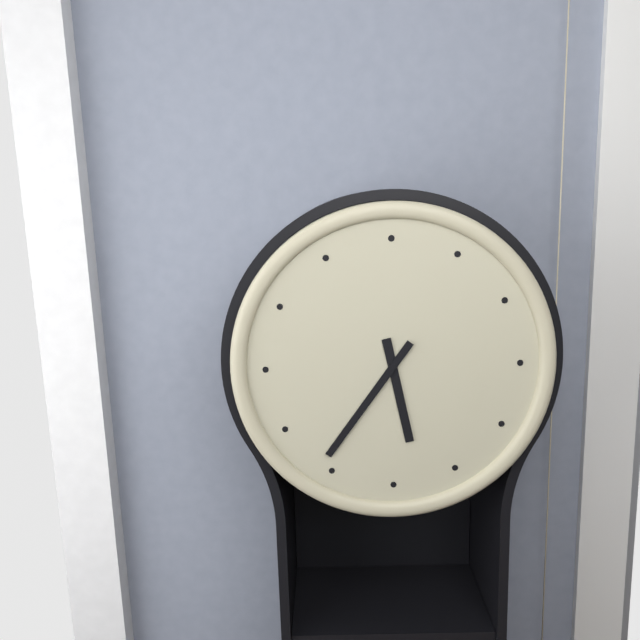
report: 5,36
